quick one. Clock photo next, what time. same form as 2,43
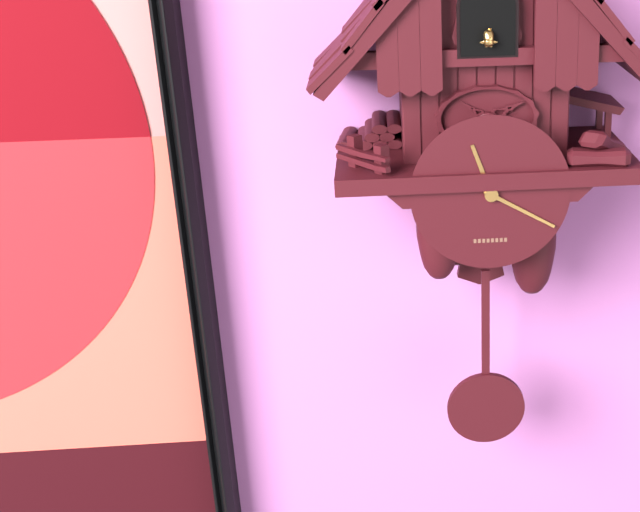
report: 11,20
